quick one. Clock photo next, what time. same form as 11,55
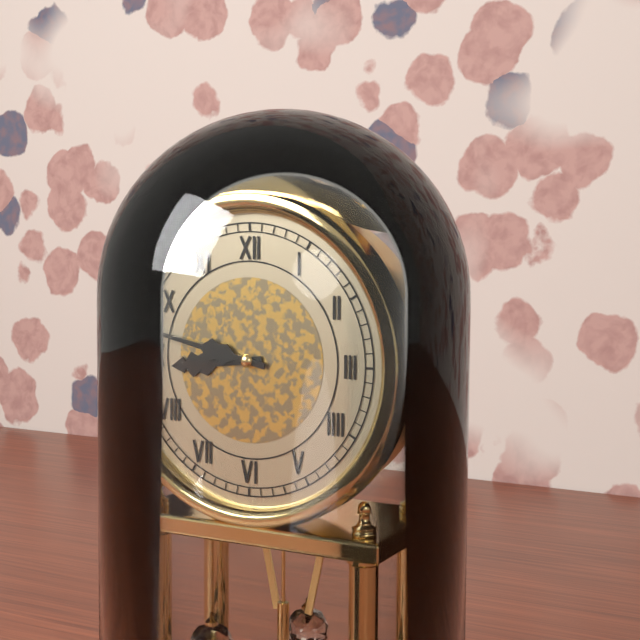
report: 8,47
